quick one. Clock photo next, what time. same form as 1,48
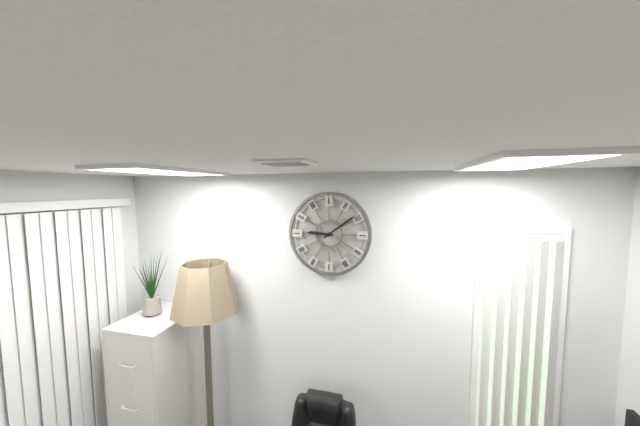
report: 9,09
